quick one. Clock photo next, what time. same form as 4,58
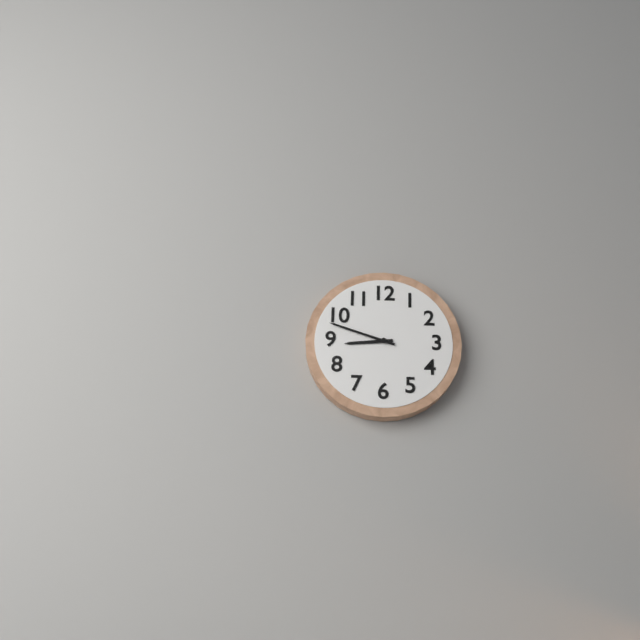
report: 8,48
